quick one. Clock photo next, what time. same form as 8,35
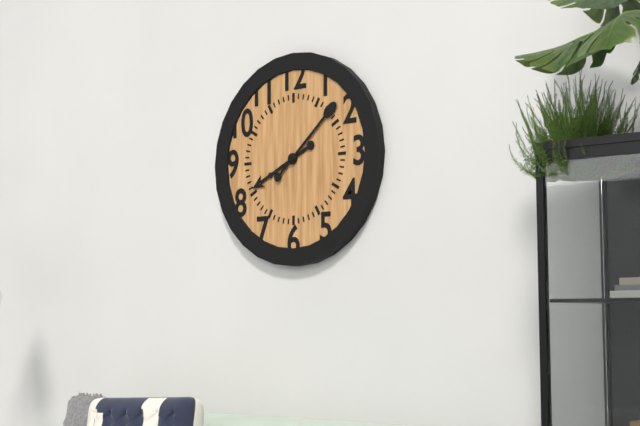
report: 8,08
